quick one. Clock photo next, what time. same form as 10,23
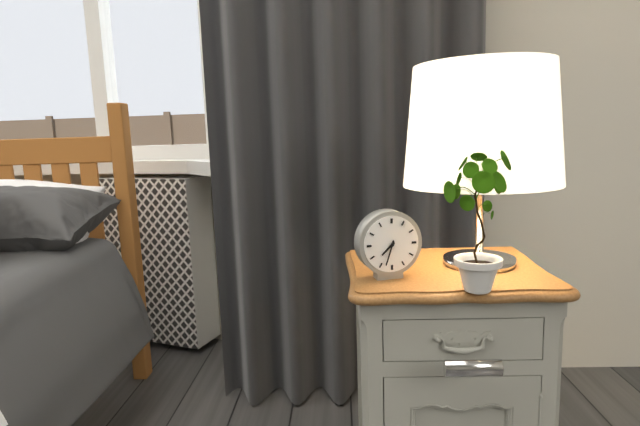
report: 7,33
